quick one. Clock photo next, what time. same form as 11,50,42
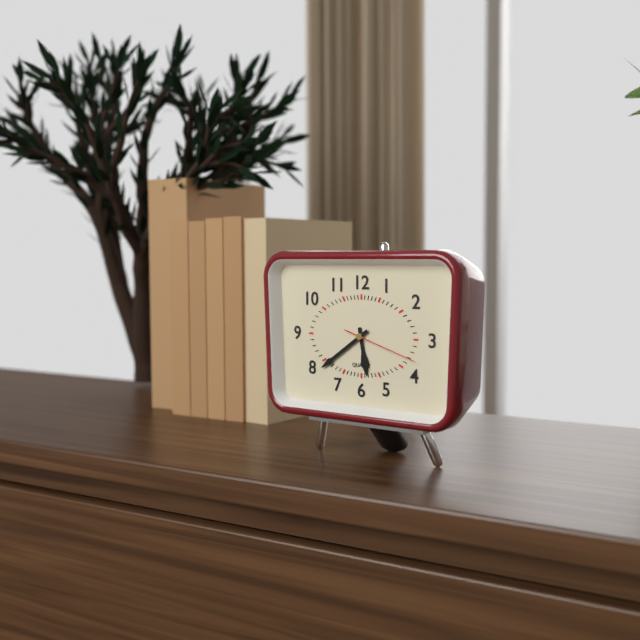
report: 5,39,18
